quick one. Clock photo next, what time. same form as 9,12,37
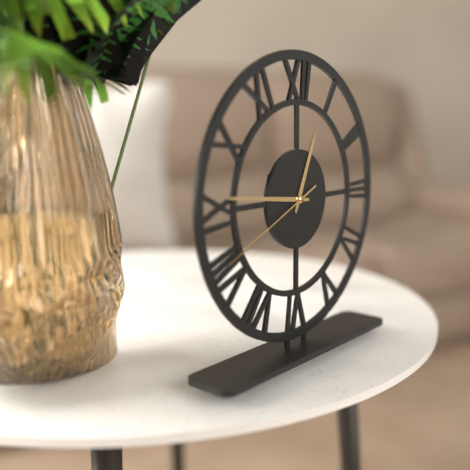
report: 12,46,41
